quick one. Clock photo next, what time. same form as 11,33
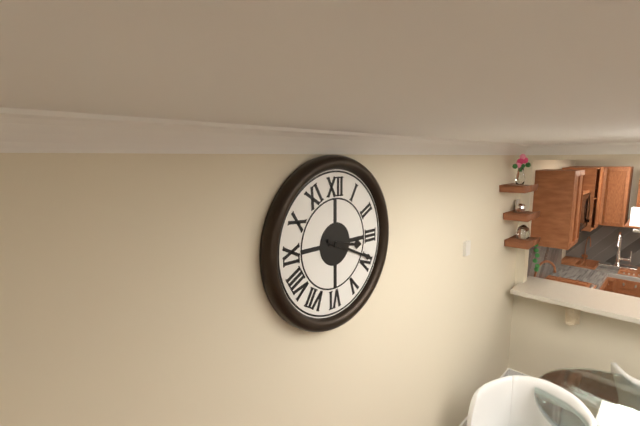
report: 3,19
